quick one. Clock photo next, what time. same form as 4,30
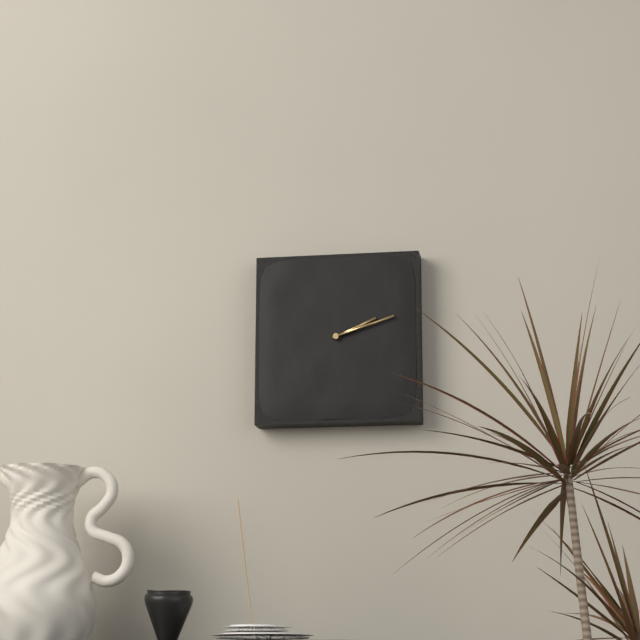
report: 2,12
